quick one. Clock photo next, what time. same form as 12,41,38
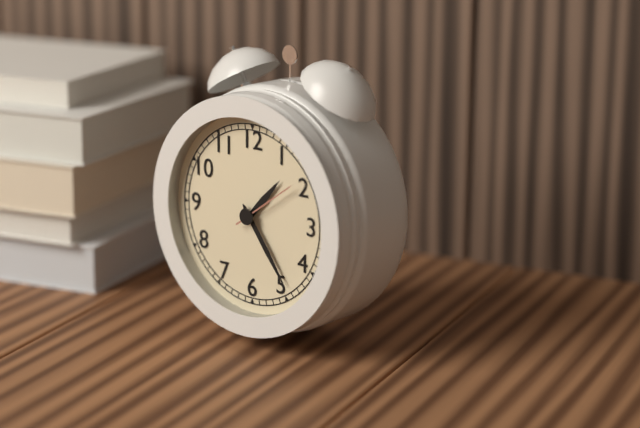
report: 1,24,09
